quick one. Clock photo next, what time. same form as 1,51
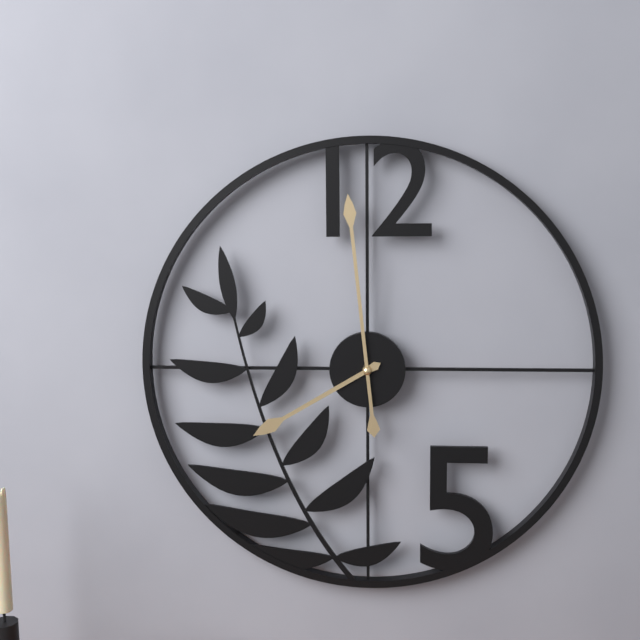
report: 7,59
